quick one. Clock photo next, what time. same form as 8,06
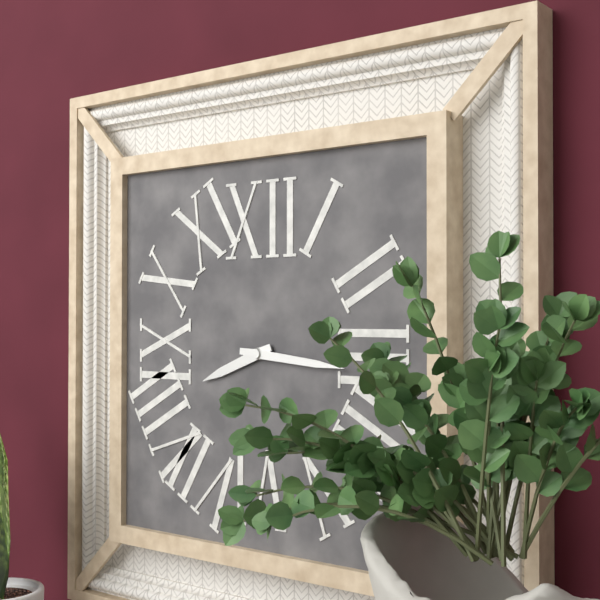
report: 8,16
